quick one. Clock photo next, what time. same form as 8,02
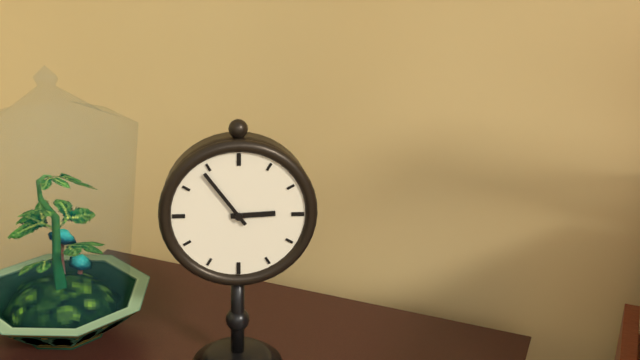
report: 2,54
